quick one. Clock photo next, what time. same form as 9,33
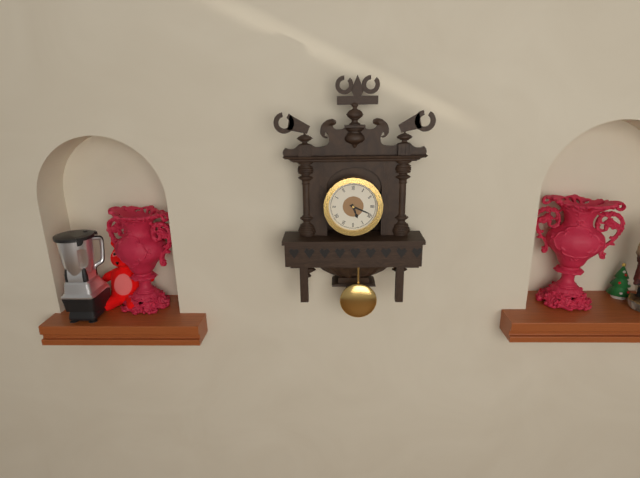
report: 5,19
